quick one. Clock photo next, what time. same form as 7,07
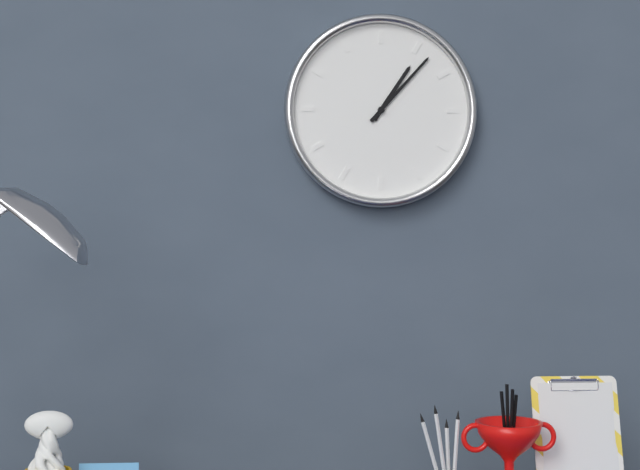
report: 1,07
